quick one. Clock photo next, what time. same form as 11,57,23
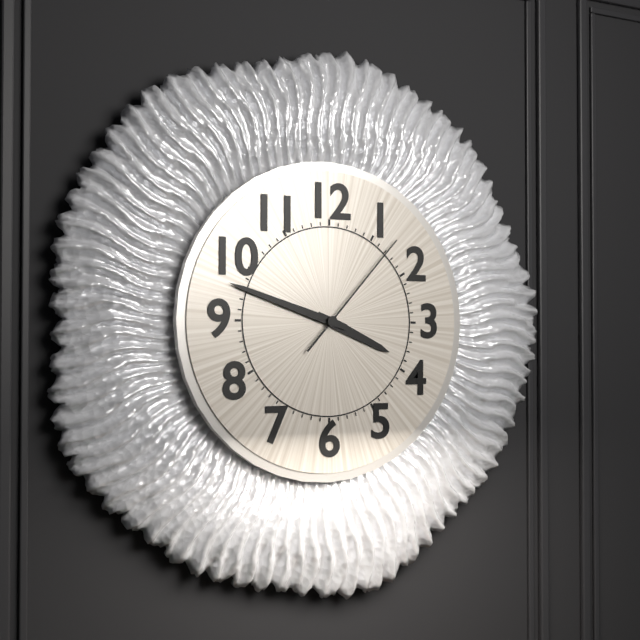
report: 3,48,07
